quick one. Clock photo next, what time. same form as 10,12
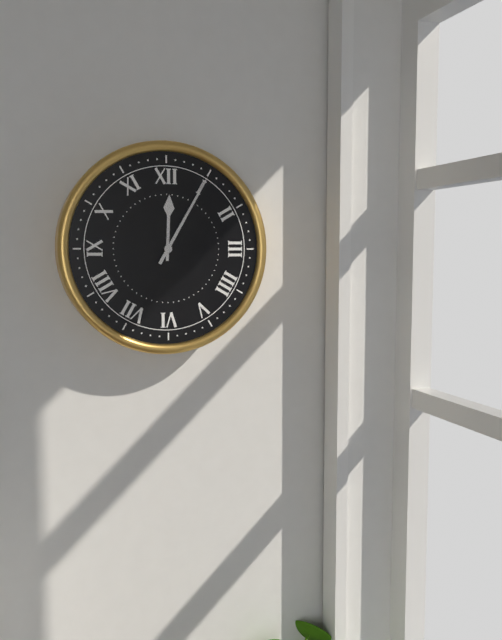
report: 12,05
